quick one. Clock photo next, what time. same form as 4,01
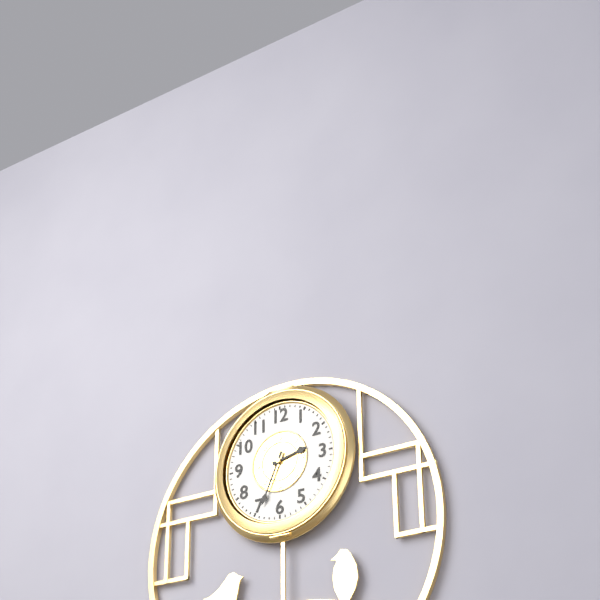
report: 2,34
